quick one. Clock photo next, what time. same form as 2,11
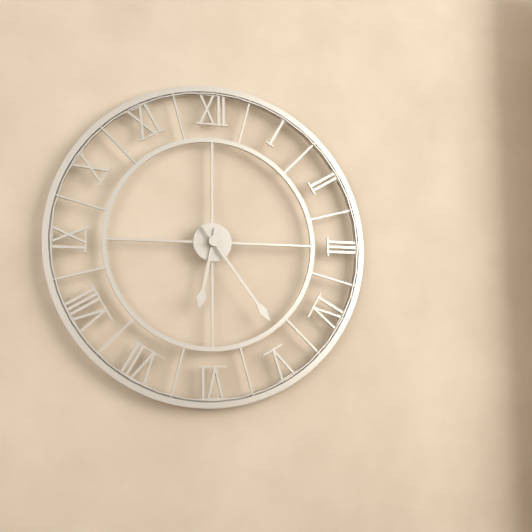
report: 6,24
